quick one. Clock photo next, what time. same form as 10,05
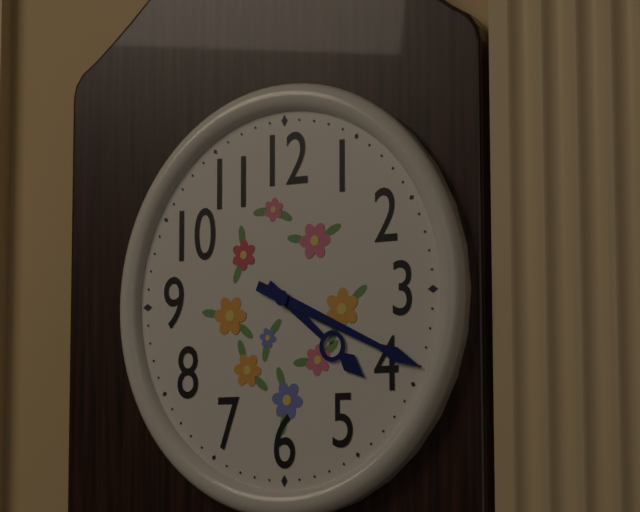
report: 4,19
